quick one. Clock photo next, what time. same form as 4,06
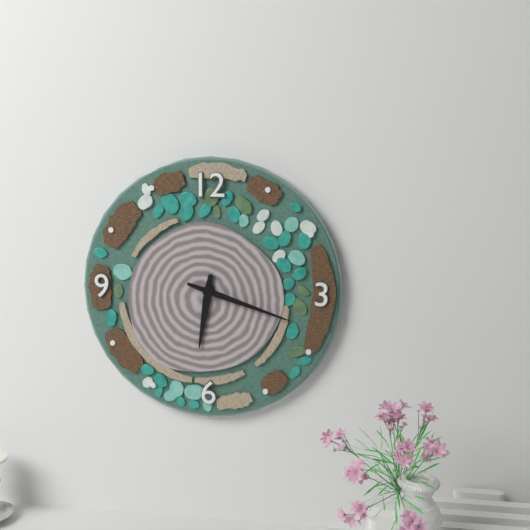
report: 6,18
